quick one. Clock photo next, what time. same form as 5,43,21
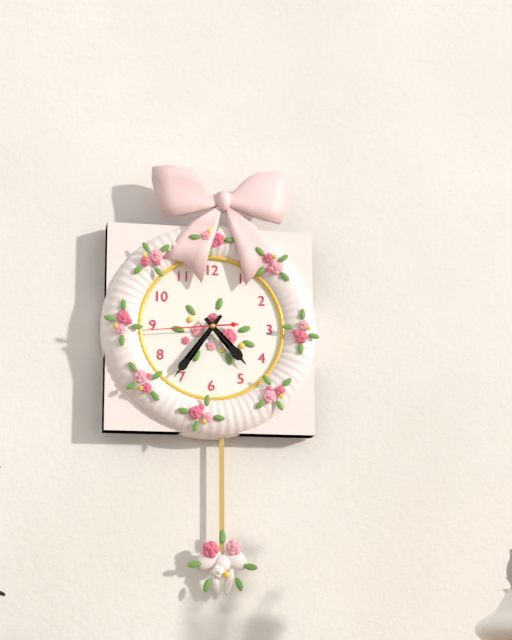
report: 4,36,44
